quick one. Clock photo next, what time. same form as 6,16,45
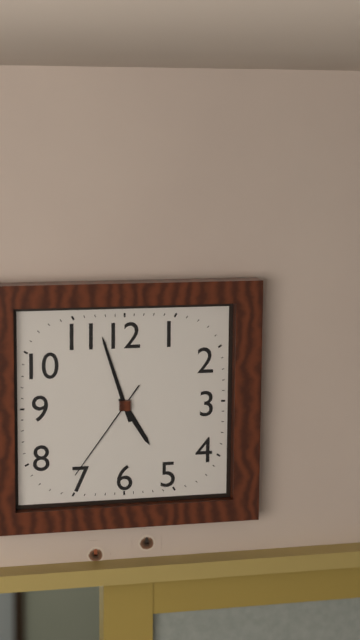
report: 4,57,36
